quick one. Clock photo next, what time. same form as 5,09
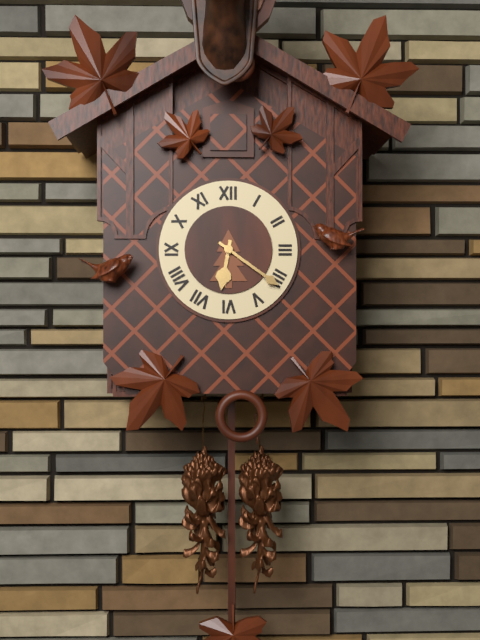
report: 6,21
